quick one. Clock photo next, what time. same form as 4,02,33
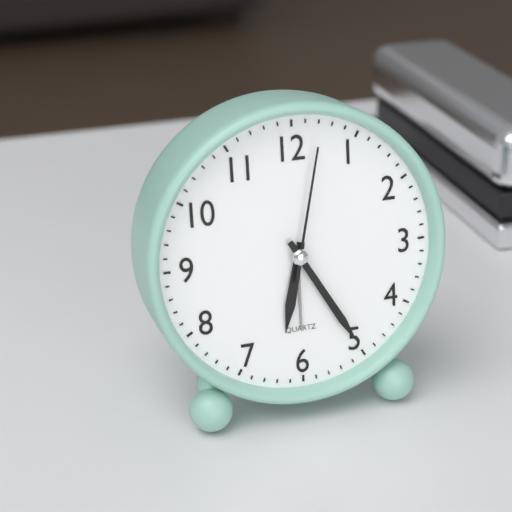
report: 6,25,02
